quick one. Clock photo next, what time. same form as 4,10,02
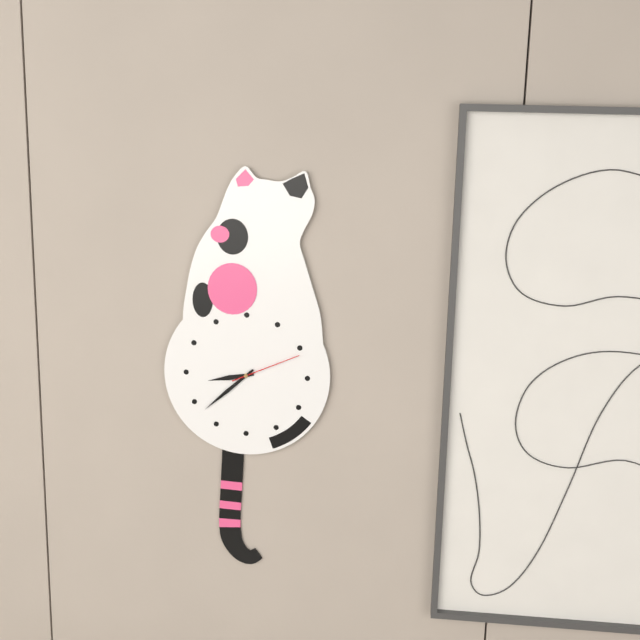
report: 8,38,11
